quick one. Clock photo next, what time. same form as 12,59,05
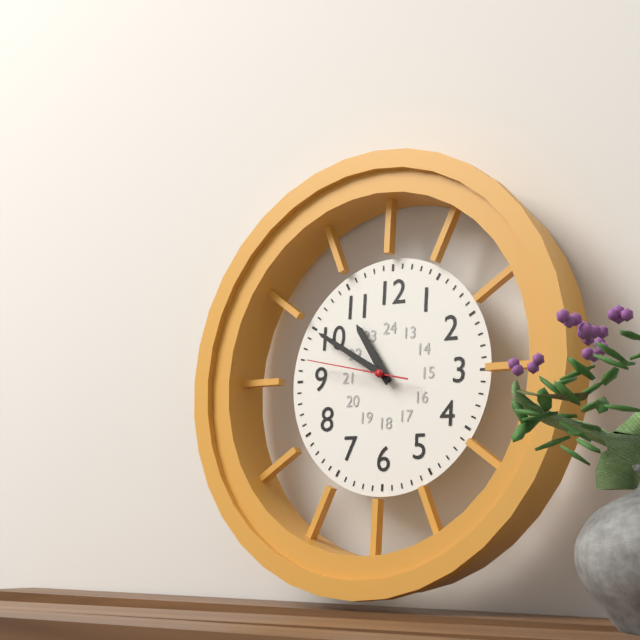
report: 10,50,47
